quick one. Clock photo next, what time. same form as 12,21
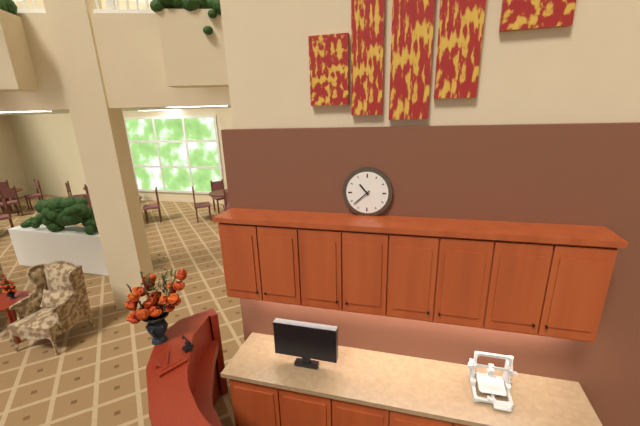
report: 10,38
